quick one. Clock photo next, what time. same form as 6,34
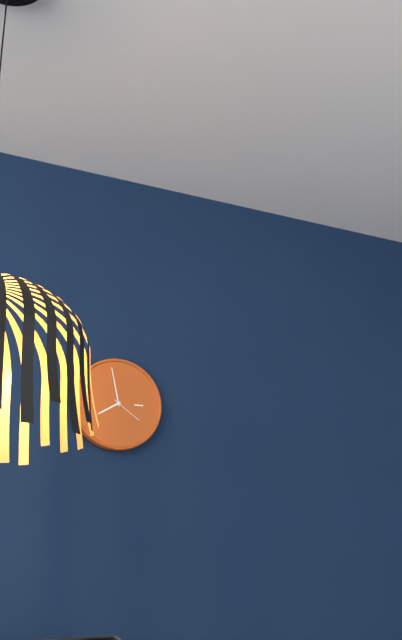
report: 7,58
